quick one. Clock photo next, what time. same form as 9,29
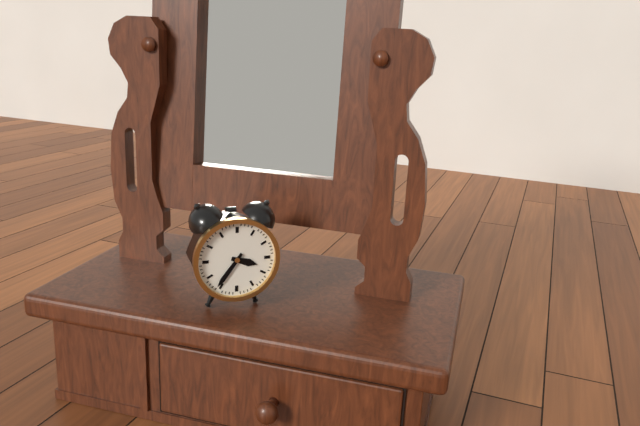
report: 3,36
